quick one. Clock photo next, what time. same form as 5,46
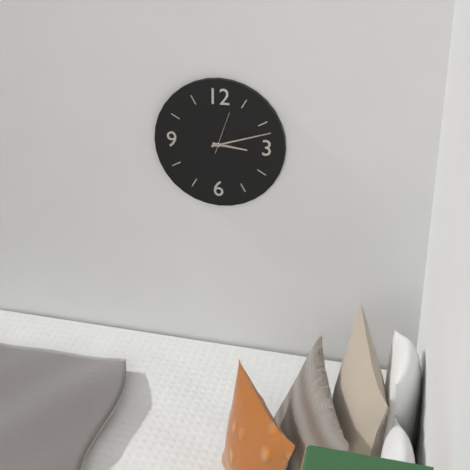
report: 3,12
